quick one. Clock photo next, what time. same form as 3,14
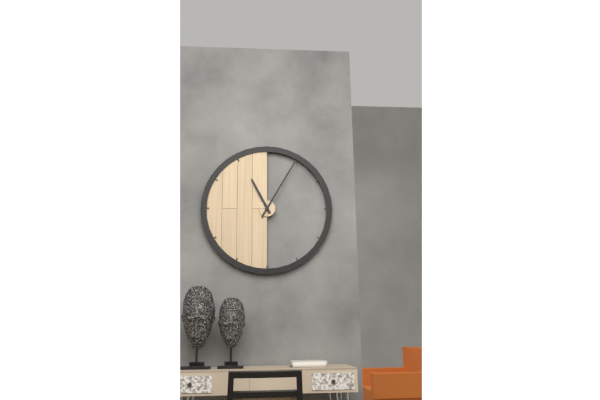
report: 11,05
